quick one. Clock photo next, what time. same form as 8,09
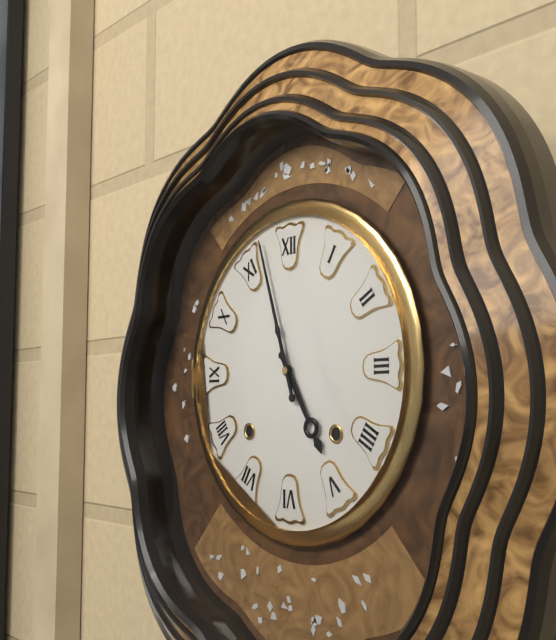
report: 4,57
